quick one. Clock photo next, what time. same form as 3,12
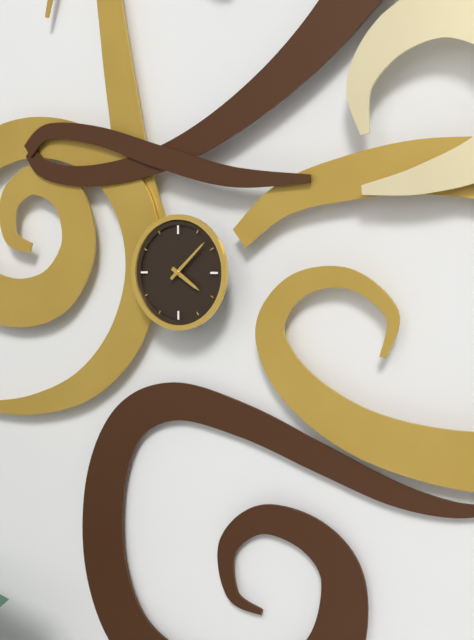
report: 4,08
